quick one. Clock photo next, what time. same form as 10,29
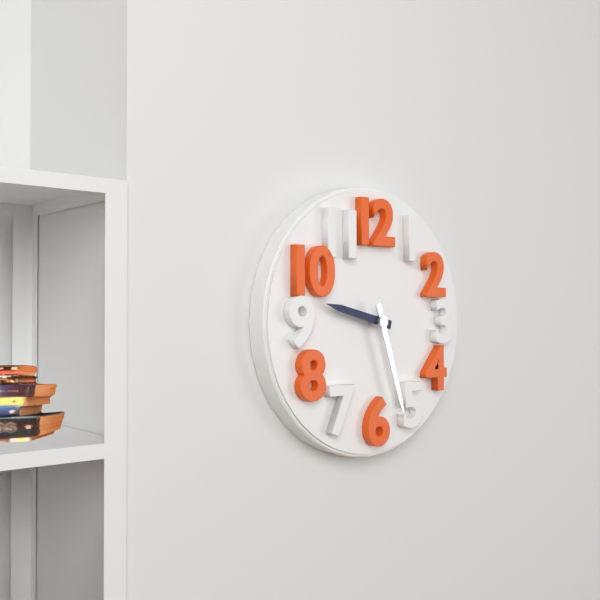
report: 9,27
